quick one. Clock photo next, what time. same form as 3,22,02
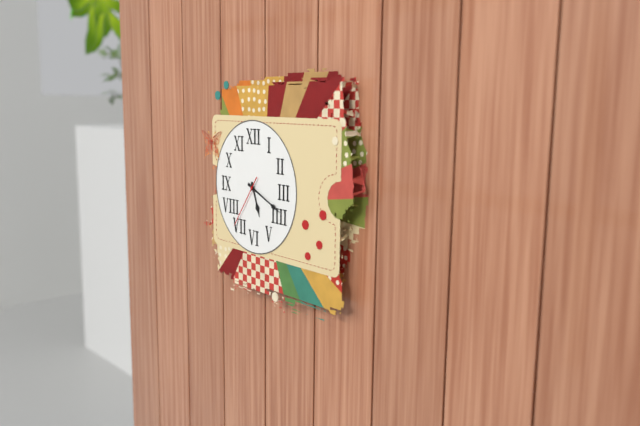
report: 5,19,36
